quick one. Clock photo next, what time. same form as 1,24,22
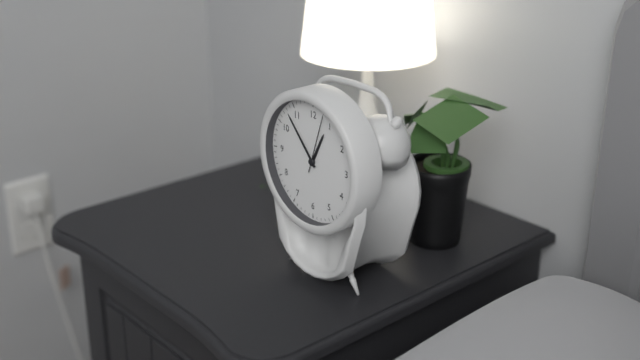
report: 12,53,03
